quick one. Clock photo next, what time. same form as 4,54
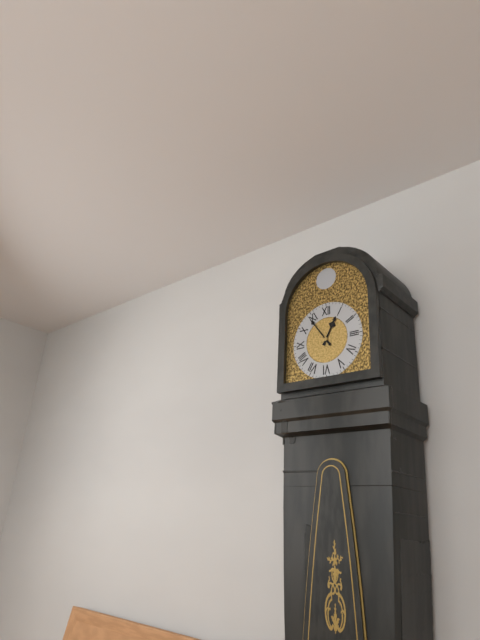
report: 12,54
